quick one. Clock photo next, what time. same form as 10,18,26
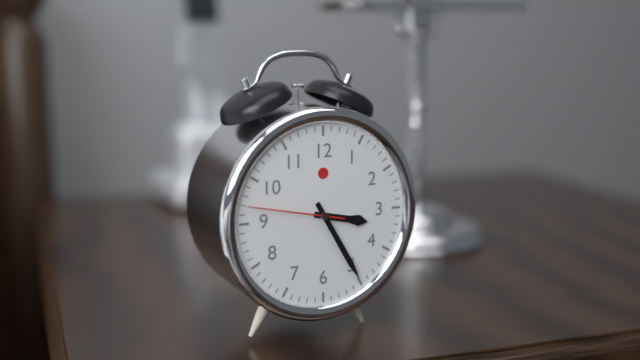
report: 3,25,47
